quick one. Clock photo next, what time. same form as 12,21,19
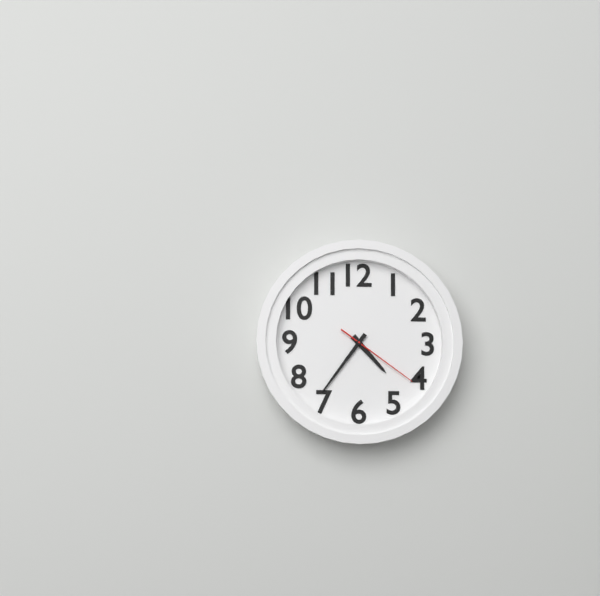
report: 4,36,21
